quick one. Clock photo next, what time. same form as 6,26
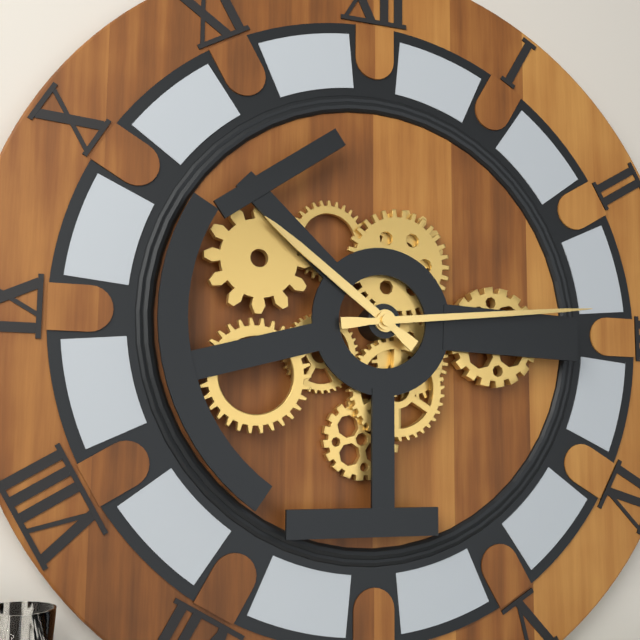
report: 10,14
